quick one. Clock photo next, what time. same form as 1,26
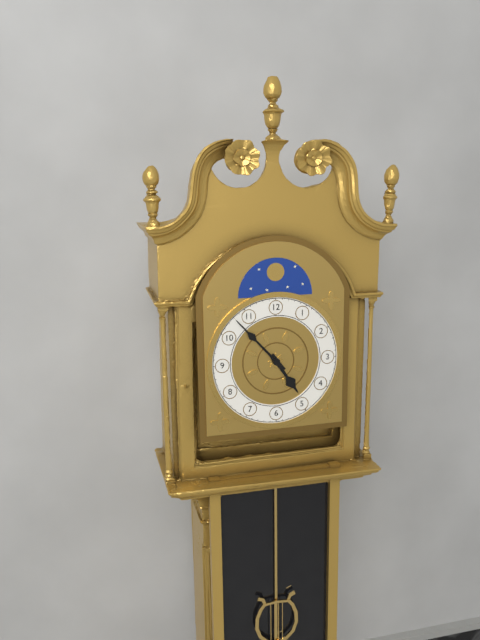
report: 4,53
